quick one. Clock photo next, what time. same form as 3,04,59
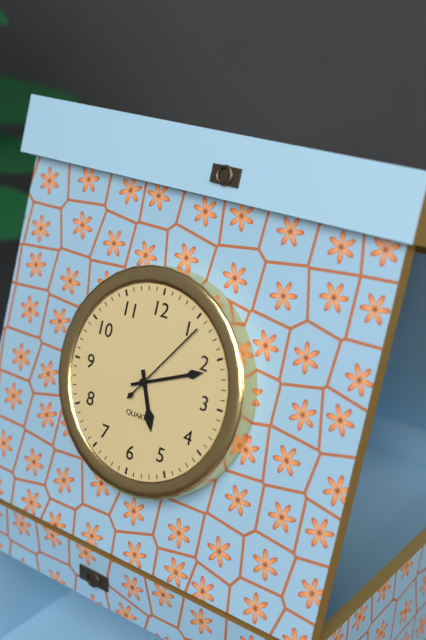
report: 5,11,06
